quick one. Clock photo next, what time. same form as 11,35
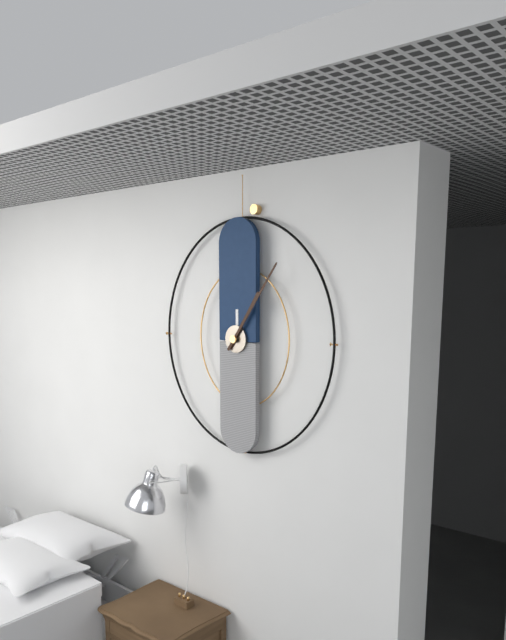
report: 1,06
